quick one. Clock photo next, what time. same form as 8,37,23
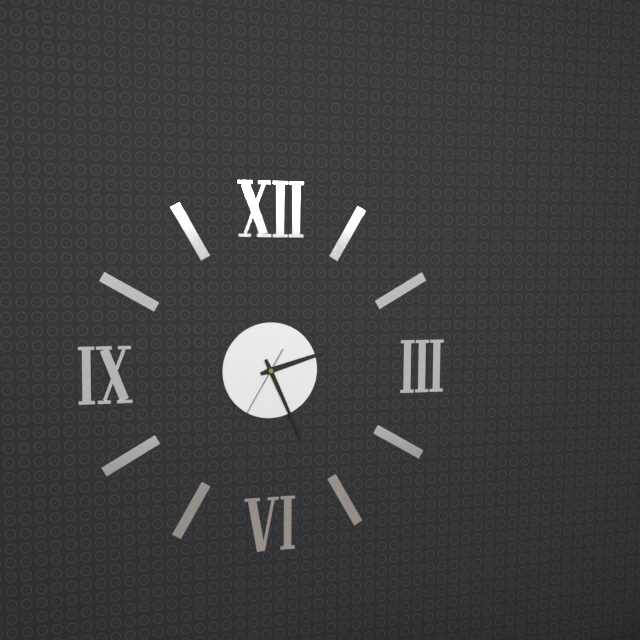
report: 2,26,35
